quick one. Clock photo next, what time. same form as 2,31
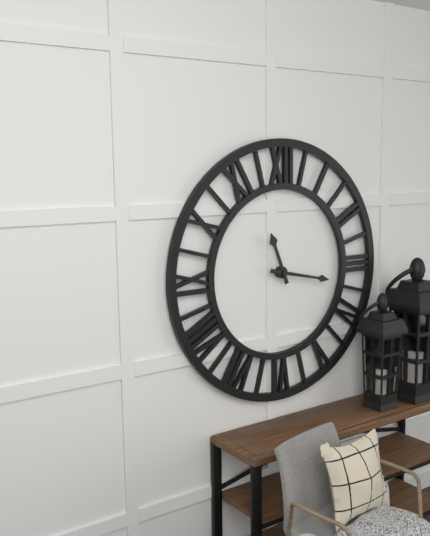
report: 11,17
